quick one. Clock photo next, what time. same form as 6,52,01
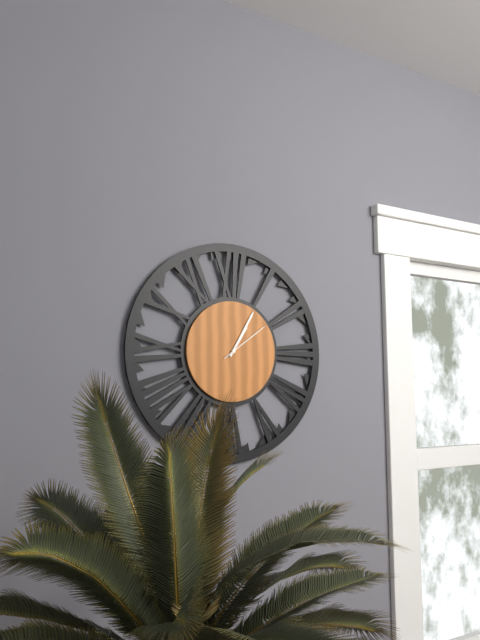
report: 1,05,09
